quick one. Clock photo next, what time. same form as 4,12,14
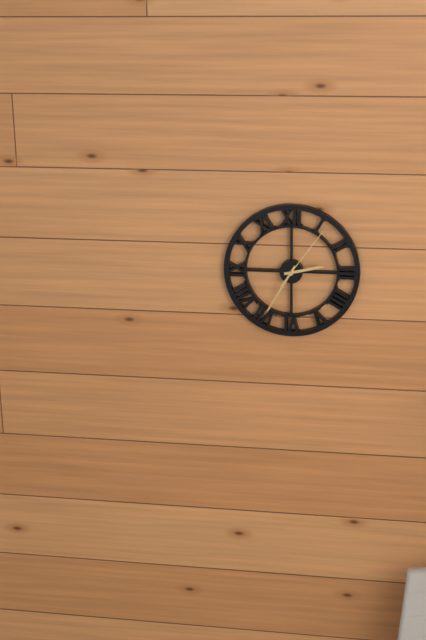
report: 2,35,06
